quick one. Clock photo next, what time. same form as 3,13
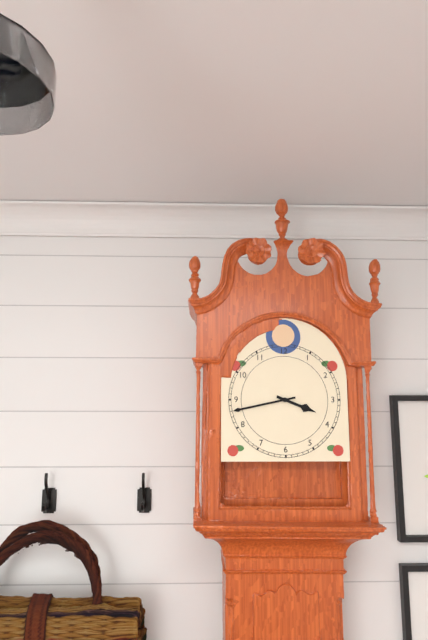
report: 3,43
